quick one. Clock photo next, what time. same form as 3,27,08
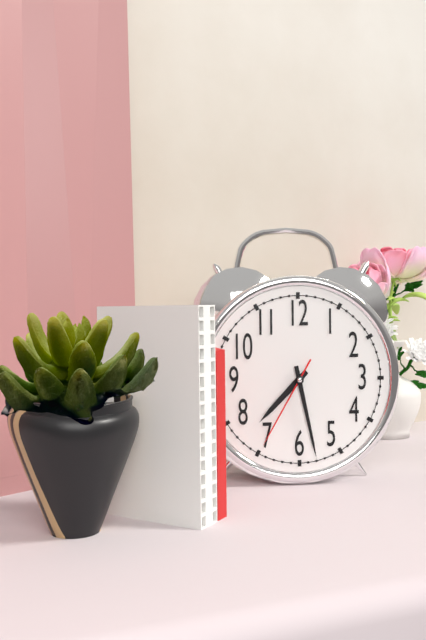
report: 7,28,35
